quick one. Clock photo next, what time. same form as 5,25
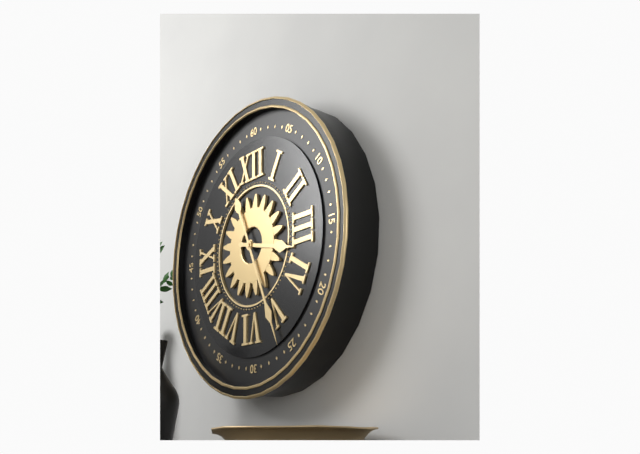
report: 3,26
